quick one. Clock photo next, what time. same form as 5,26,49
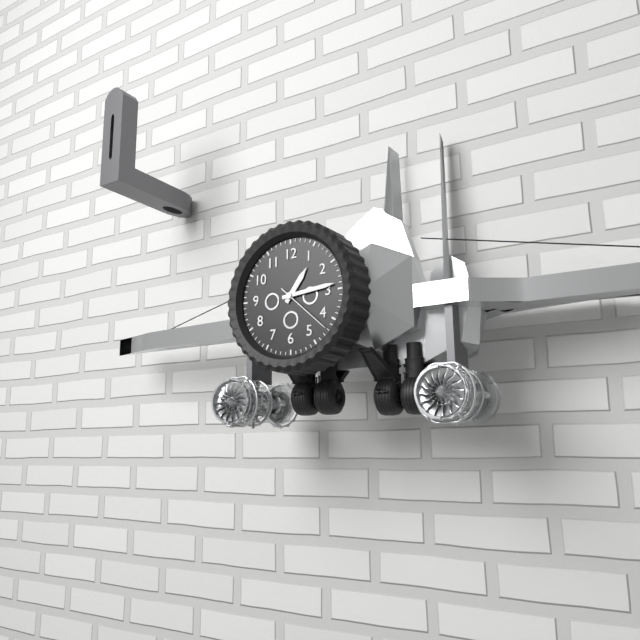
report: 1,14,22
